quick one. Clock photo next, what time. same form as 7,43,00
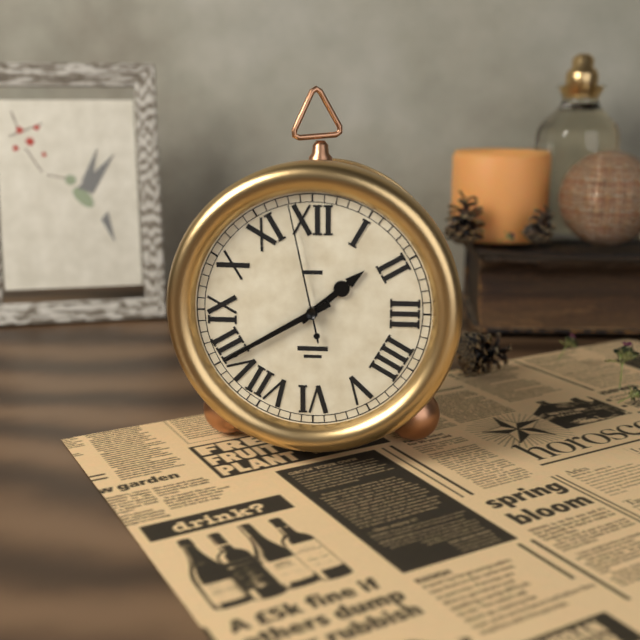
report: 1,40,58
